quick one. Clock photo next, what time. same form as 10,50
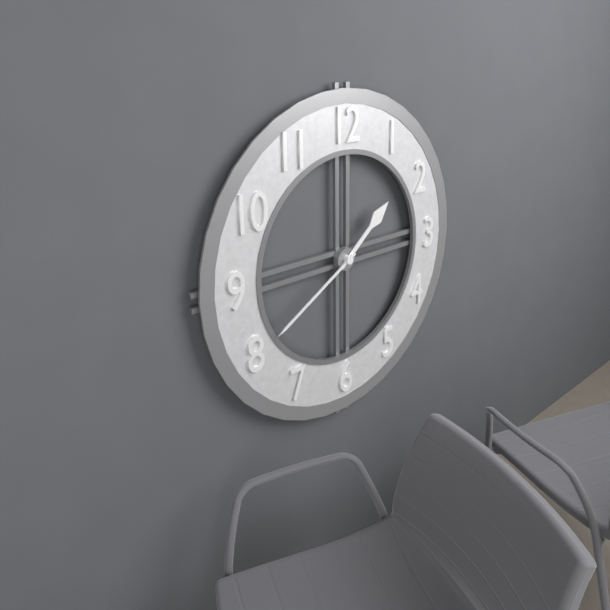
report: 1,40
